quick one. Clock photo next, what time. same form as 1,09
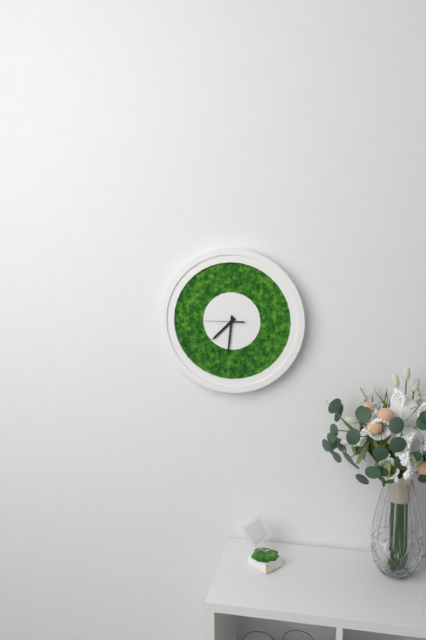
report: 7,31
